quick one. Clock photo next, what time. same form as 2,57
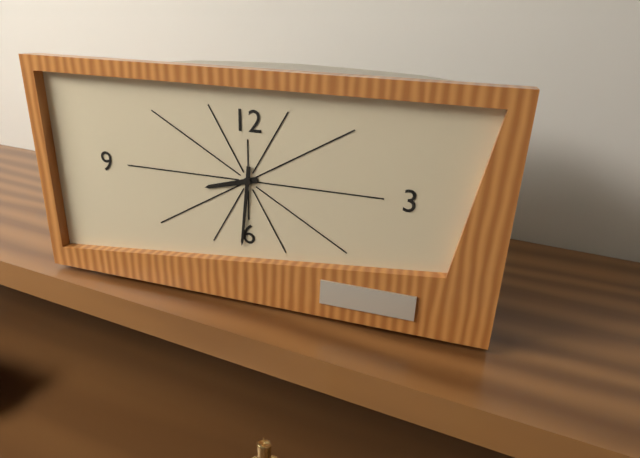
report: 8,31
